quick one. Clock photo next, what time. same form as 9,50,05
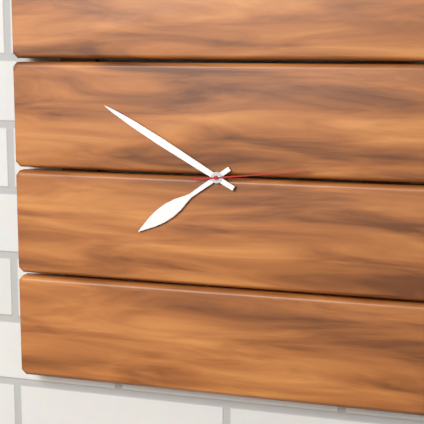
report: 7,50,14
